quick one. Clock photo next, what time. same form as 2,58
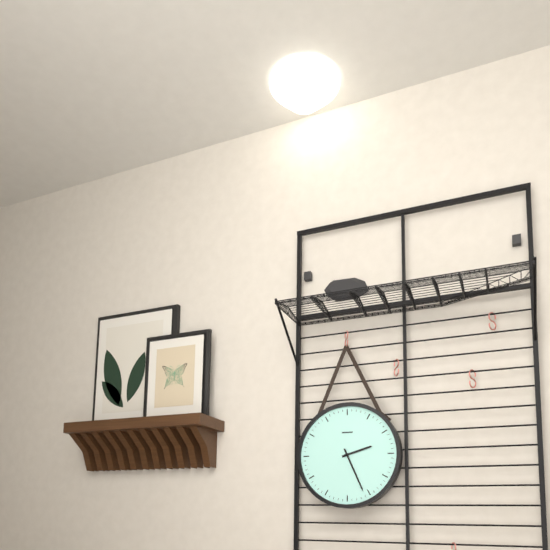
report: 2,26
